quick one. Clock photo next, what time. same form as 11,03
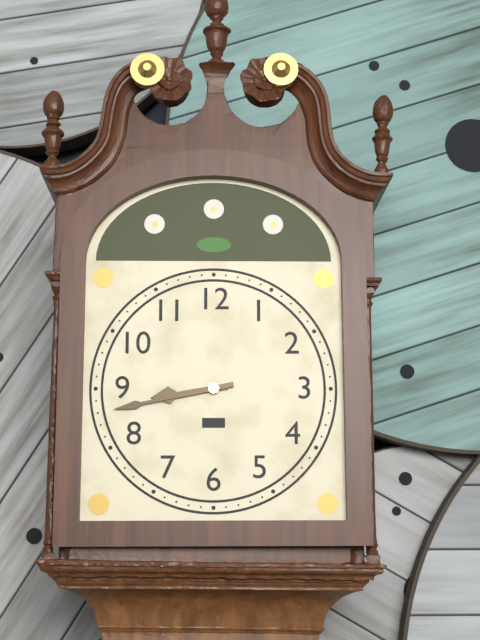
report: 8,43
